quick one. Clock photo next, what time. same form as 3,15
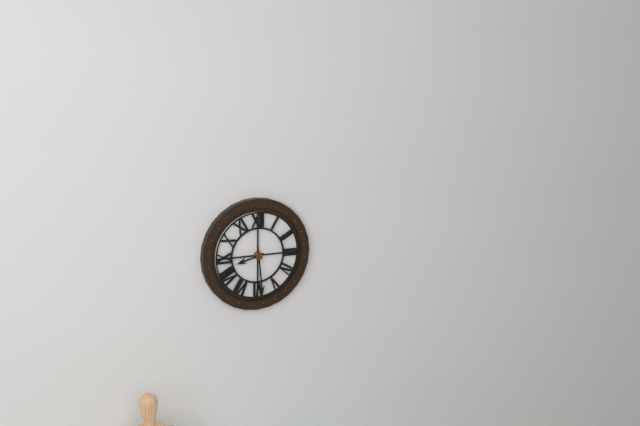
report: 8,29
